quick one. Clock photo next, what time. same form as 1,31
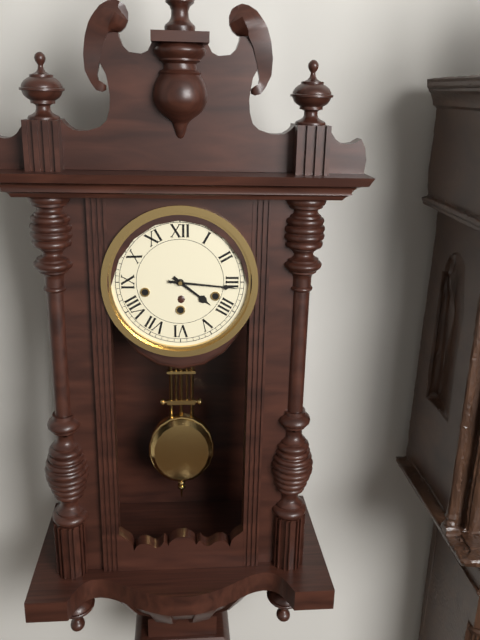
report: 4,16
